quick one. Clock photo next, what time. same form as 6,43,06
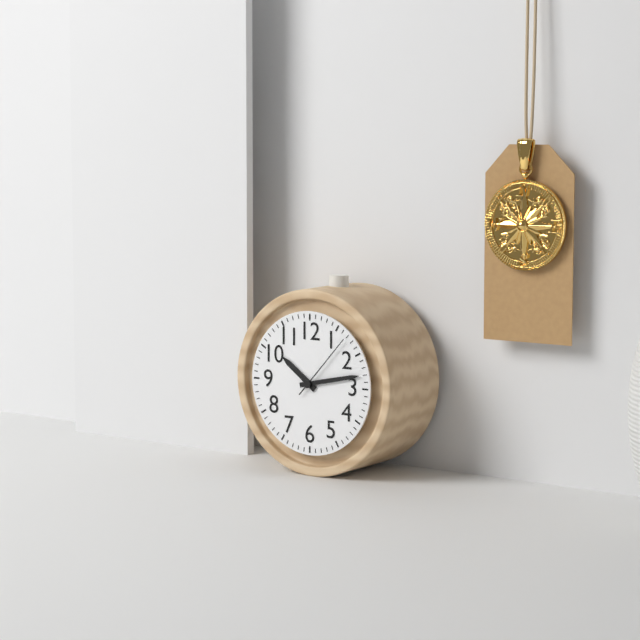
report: 10,13,07
